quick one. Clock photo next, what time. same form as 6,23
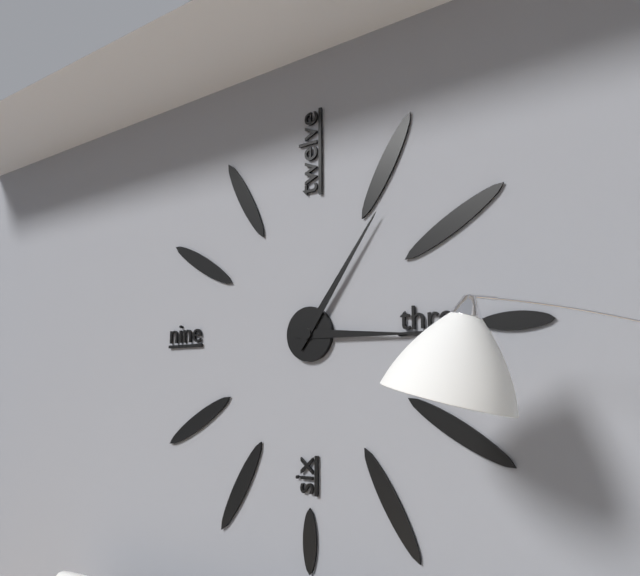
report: 3,06
